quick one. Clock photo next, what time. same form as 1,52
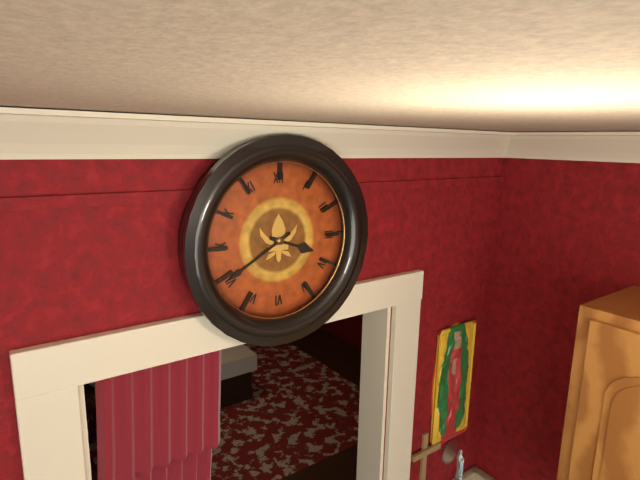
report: 3,40
